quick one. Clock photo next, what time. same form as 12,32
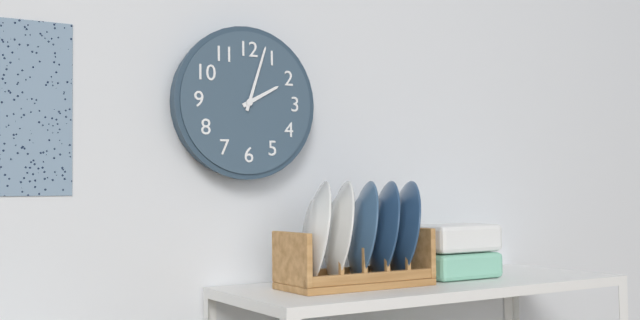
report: 2,03
